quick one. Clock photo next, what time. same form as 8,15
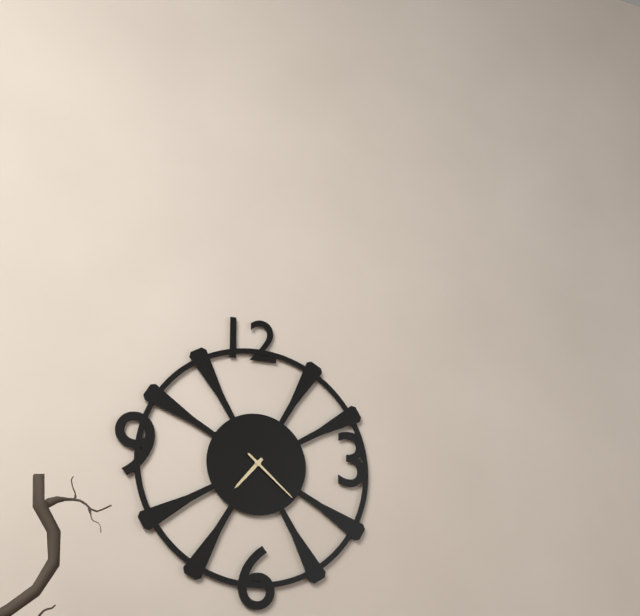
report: 7,22
